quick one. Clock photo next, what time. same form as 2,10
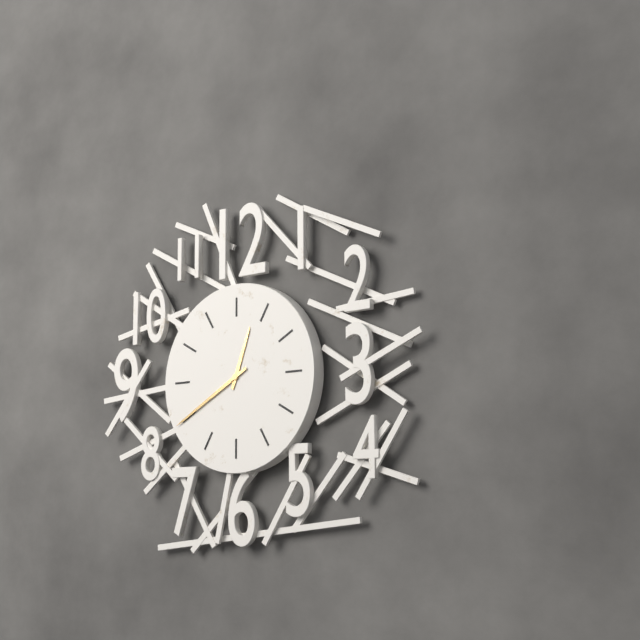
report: 12,40
